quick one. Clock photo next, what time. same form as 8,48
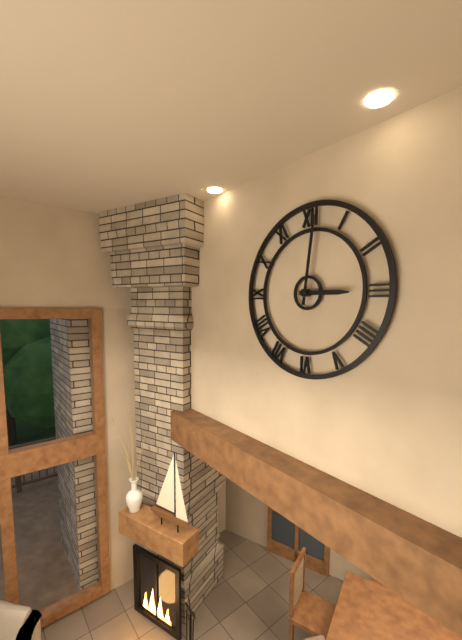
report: 3,01
